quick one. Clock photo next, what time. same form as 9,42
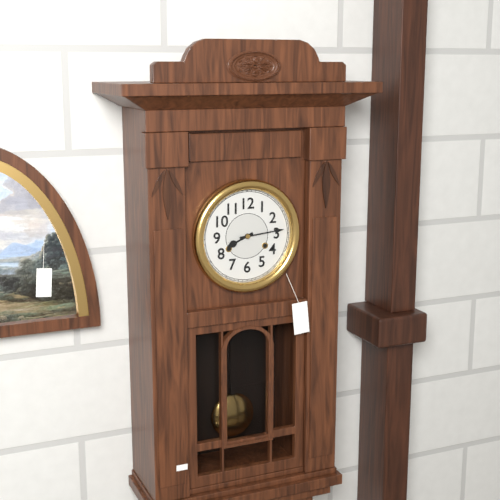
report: 8,14
